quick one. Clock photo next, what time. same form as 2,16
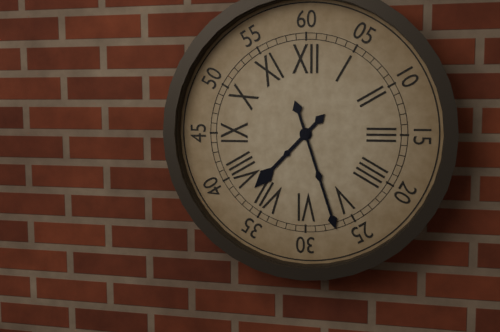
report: 7,27
